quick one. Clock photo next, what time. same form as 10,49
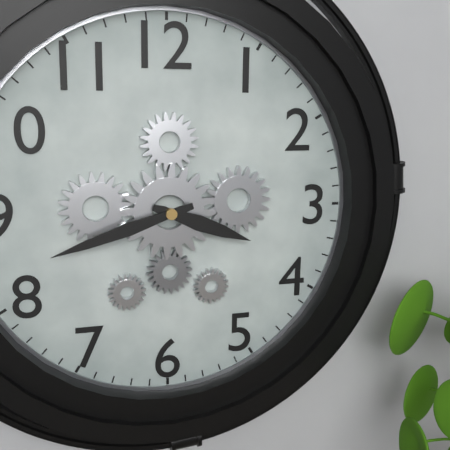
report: 3,42
